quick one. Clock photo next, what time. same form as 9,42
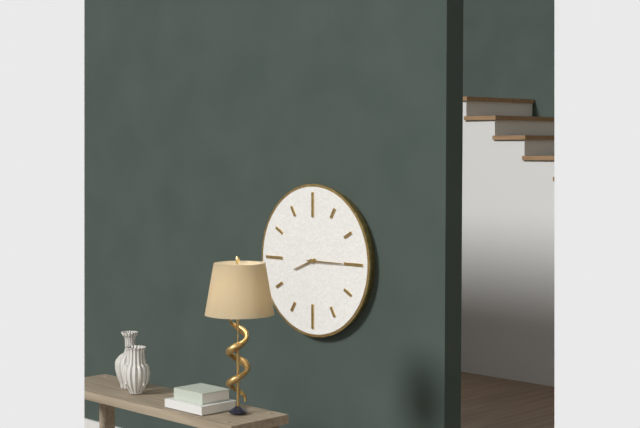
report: 8,15
